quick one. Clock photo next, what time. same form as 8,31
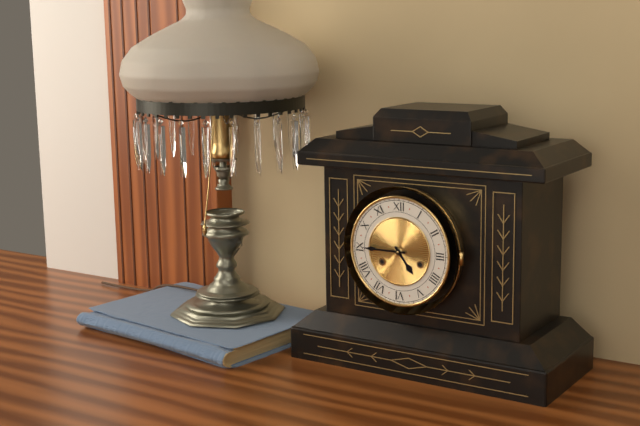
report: 4,45
